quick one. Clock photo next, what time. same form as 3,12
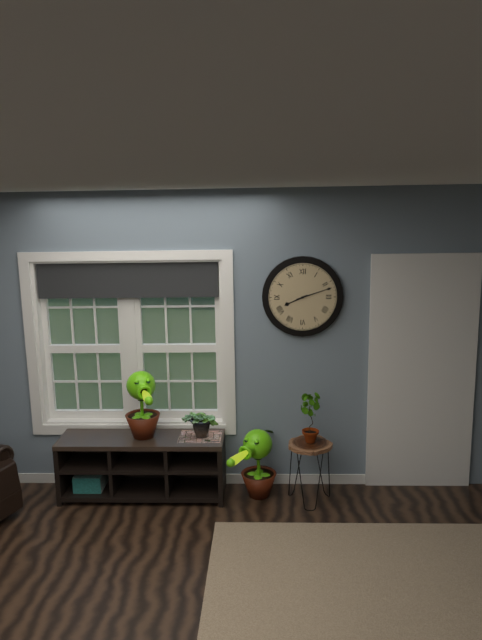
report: 8,12
